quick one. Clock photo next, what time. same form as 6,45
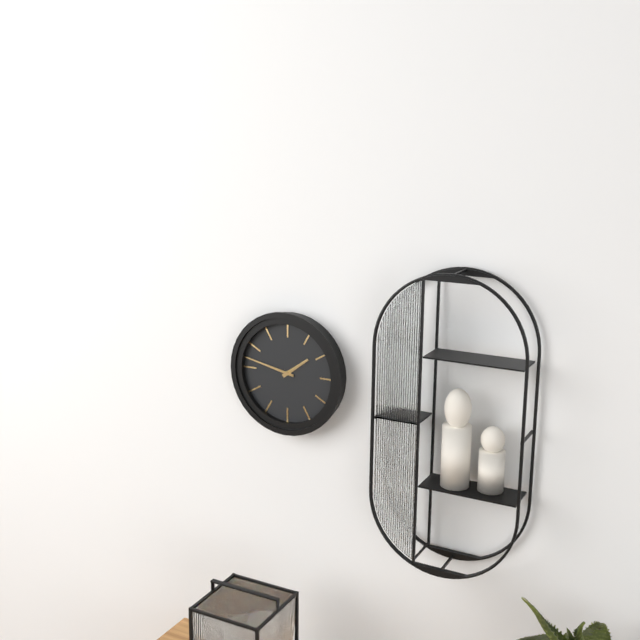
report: 1,47
